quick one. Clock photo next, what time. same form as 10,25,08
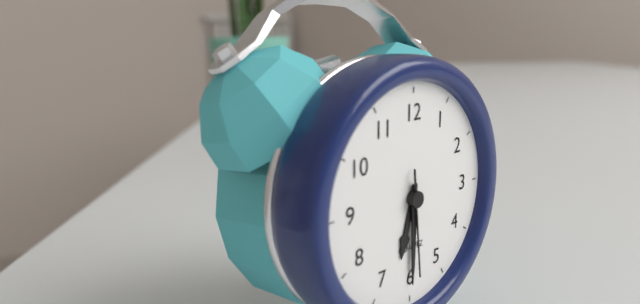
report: 6,30,29
